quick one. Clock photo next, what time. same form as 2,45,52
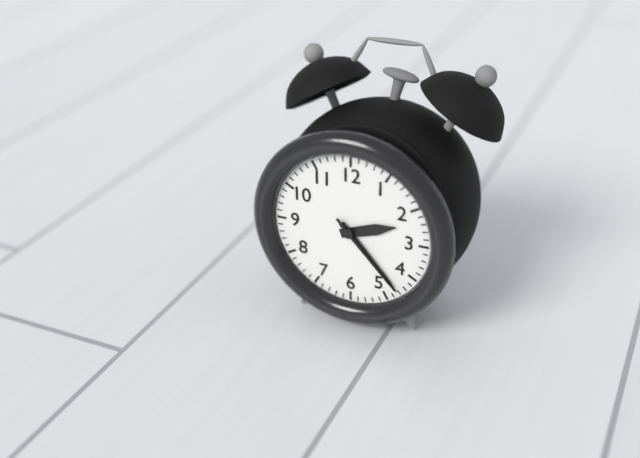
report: 2,23,23
